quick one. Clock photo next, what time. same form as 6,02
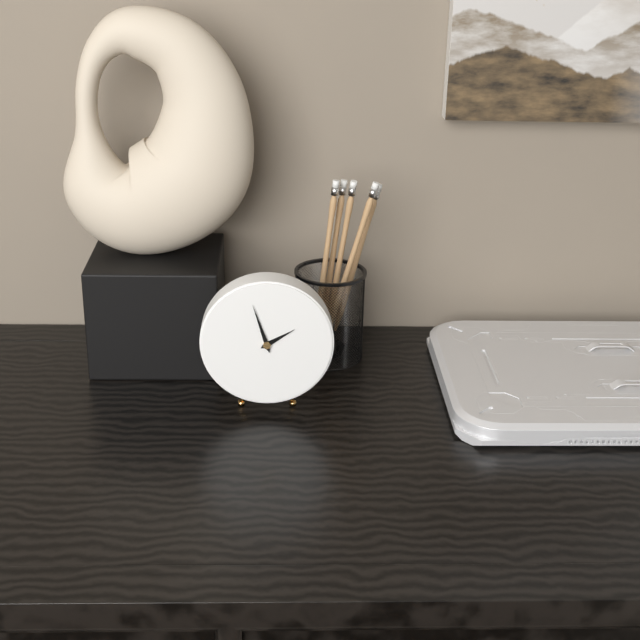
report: 1,57
